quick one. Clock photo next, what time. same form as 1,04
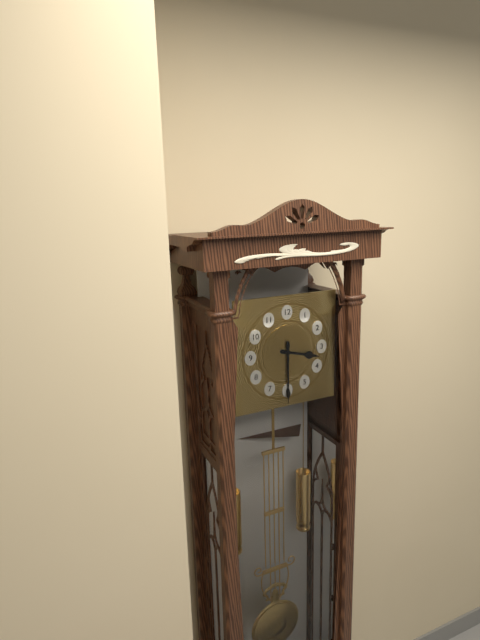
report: 3,30
